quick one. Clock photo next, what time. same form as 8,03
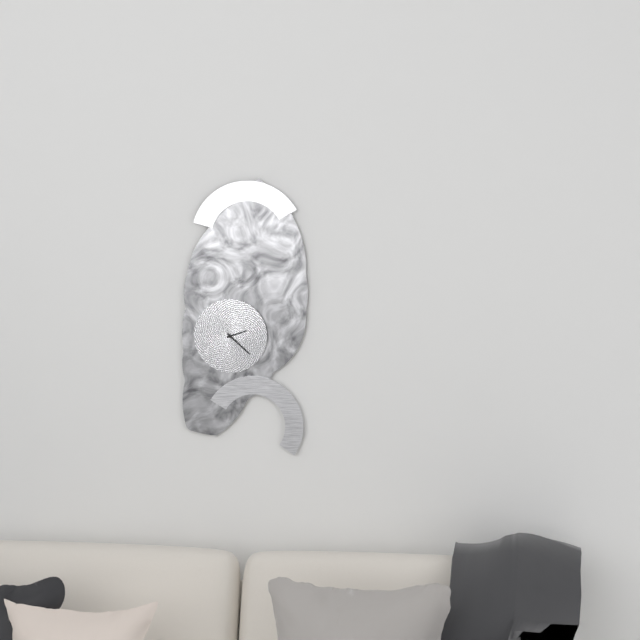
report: 2,22
